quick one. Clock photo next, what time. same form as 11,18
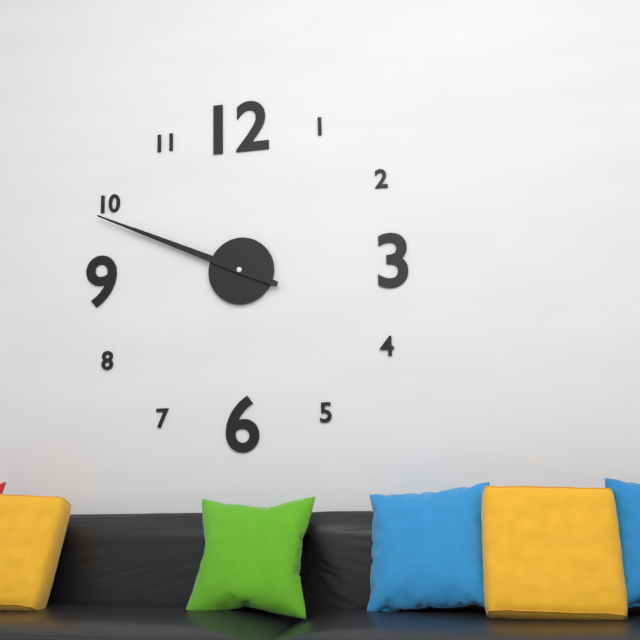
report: 9,49
